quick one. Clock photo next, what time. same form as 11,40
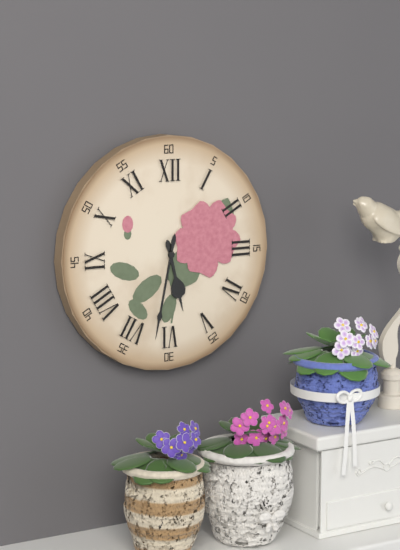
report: 5,32
